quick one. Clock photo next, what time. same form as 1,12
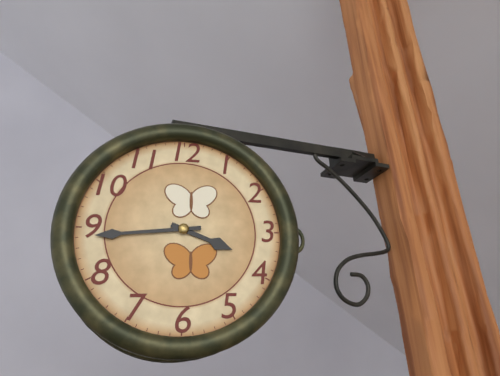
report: 3,44
